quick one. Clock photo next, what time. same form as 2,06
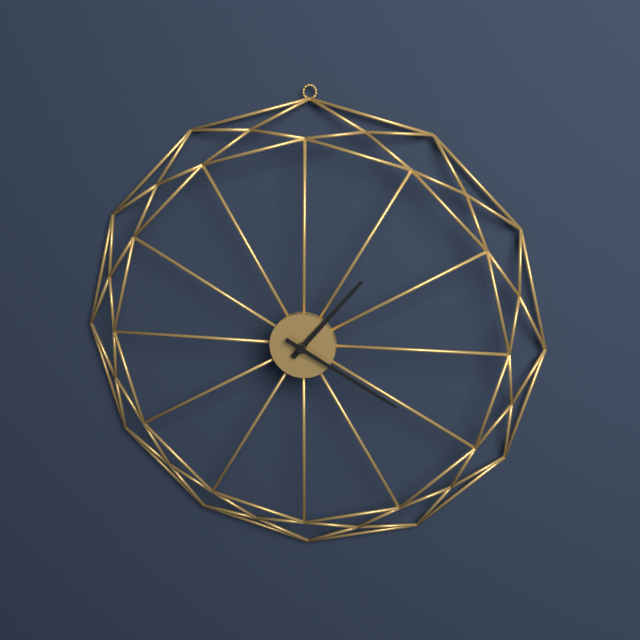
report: 1,20
